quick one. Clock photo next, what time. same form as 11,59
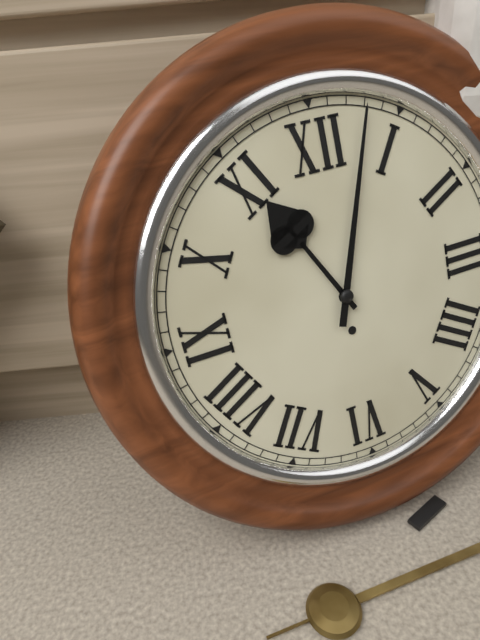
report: 11,03
